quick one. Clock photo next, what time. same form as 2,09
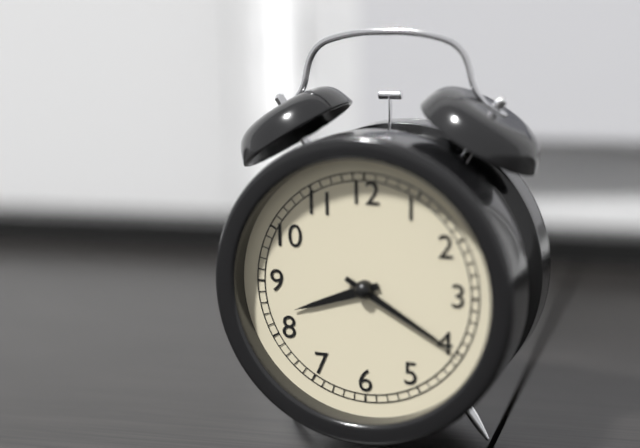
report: 8,20
